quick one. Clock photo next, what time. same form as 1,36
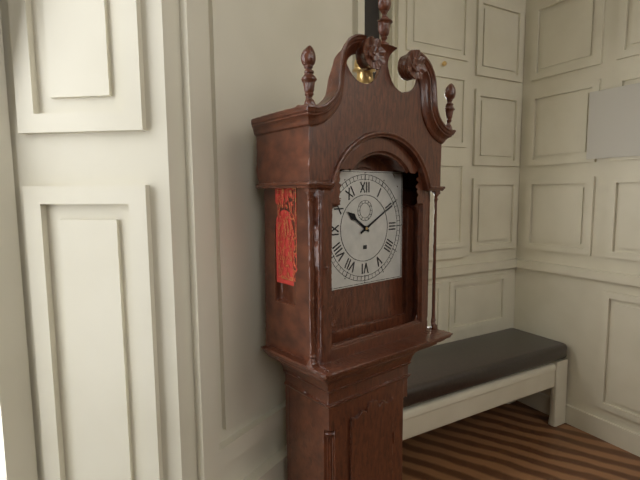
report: 10,10
